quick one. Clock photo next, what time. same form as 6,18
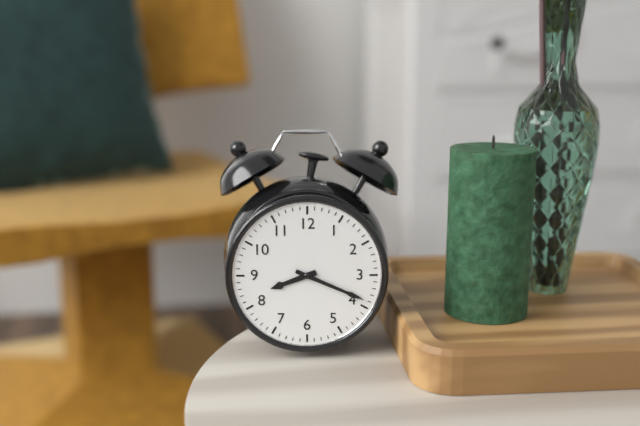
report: 8,19
